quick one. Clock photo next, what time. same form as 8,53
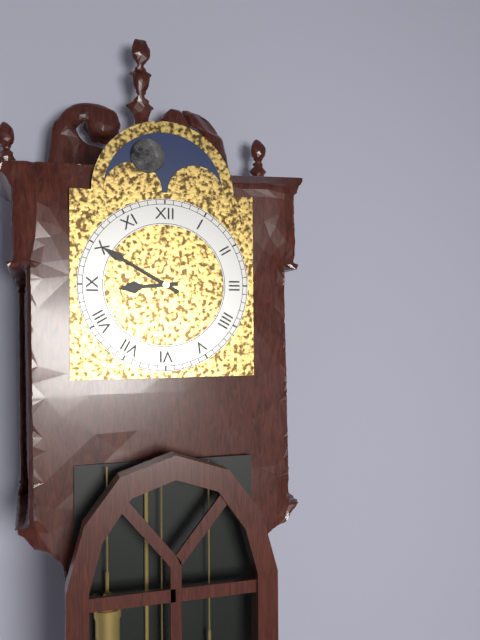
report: 8,50
